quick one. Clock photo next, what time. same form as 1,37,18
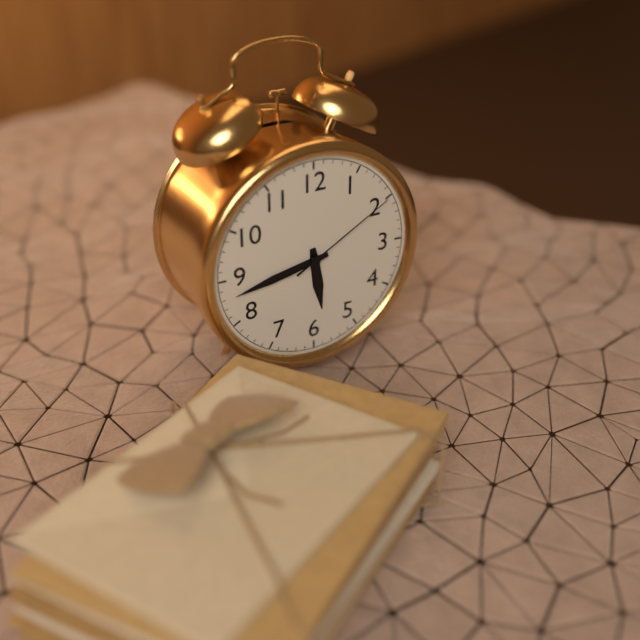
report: 5,43,10
